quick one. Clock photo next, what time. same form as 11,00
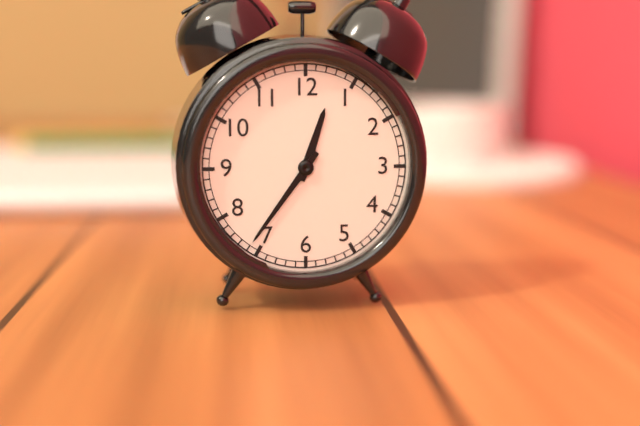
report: 12,36
